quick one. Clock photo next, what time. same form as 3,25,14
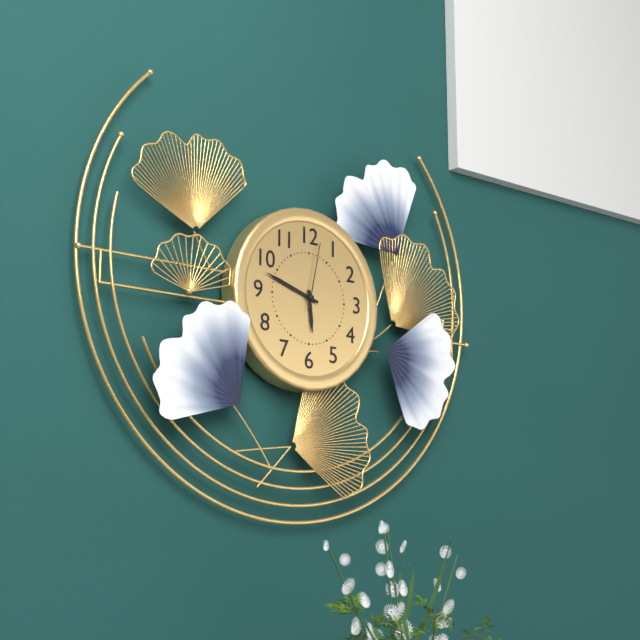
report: 5,48,02
